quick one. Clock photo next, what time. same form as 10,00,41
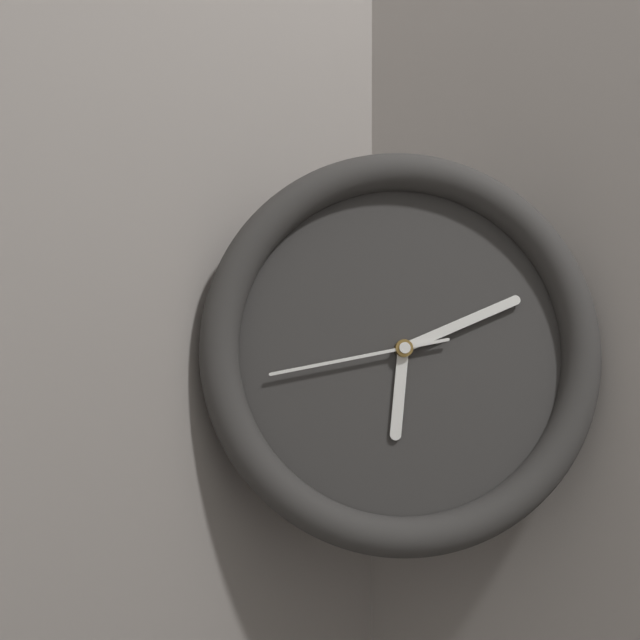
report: 6,11,43
